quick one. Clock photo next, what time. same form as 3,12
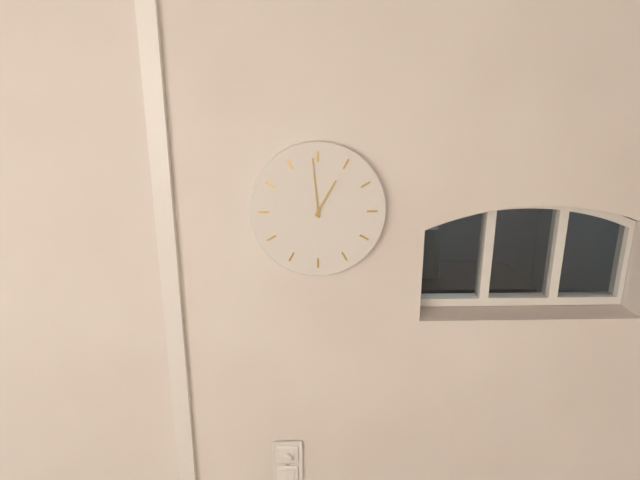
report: 12,59
